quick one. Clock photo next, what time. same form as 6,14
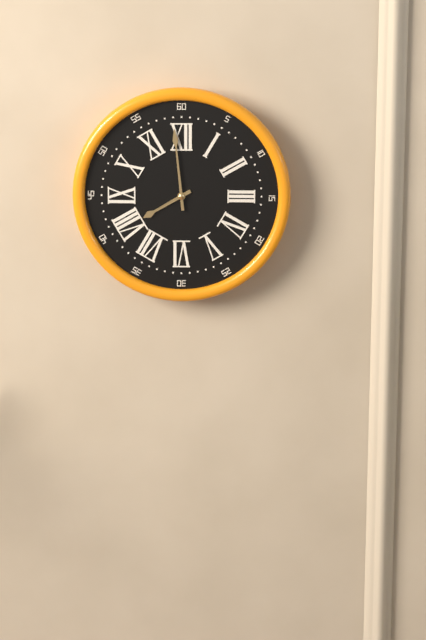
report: 7,59
